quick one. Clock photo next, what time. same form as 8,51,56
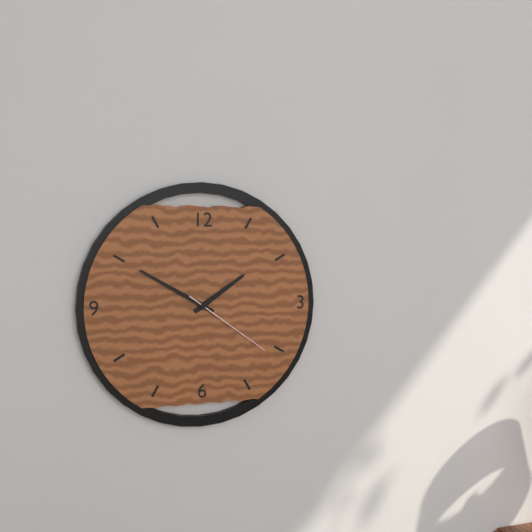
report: 1,50,21
